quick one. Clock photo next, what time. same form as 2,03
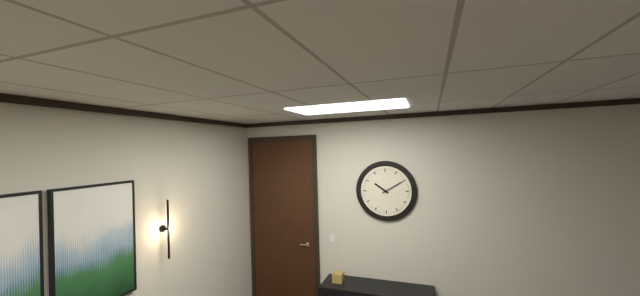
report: 10,10
